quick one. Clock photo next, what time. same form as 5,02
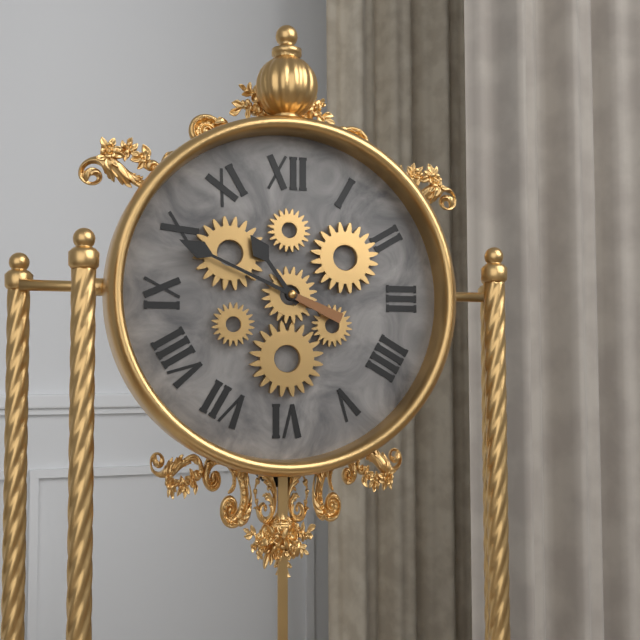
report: 10,49
